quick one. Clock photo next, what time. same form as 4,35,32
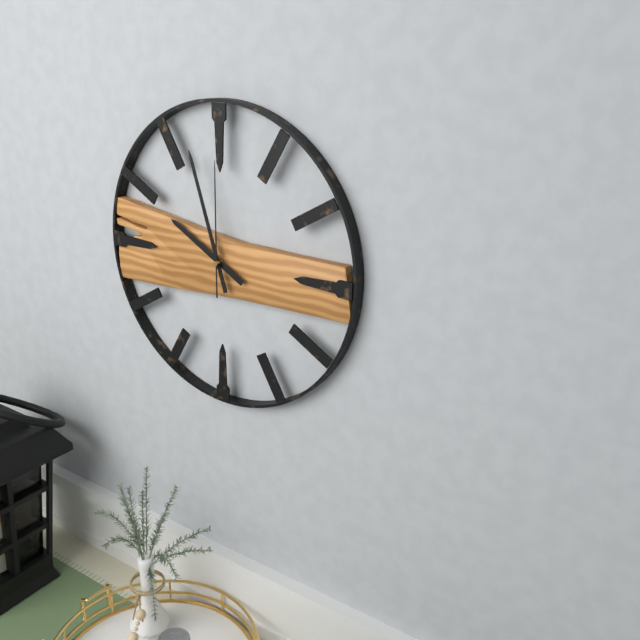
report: 9,57,00
